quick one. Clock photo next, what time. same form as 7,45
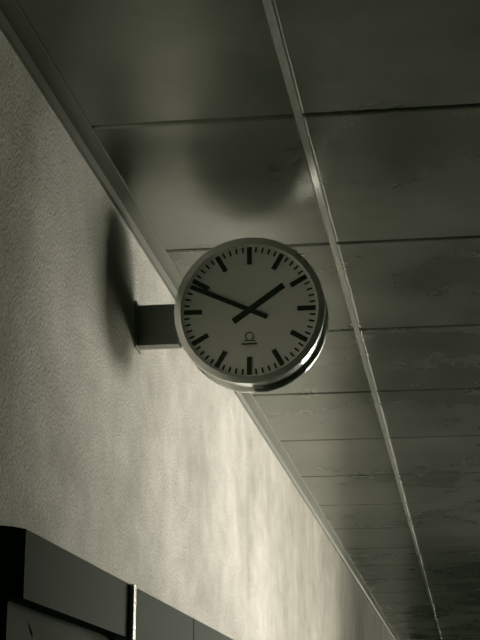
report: 1,49
